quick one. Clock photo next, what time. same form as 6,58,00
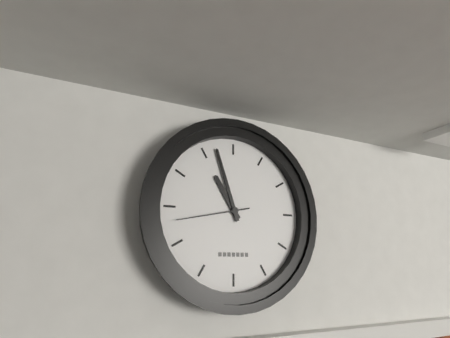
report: 10,57,43
